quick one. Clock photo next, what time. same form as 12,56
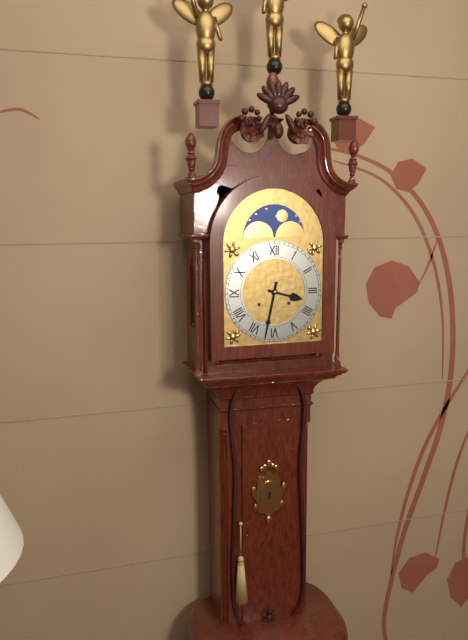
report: 3,32
